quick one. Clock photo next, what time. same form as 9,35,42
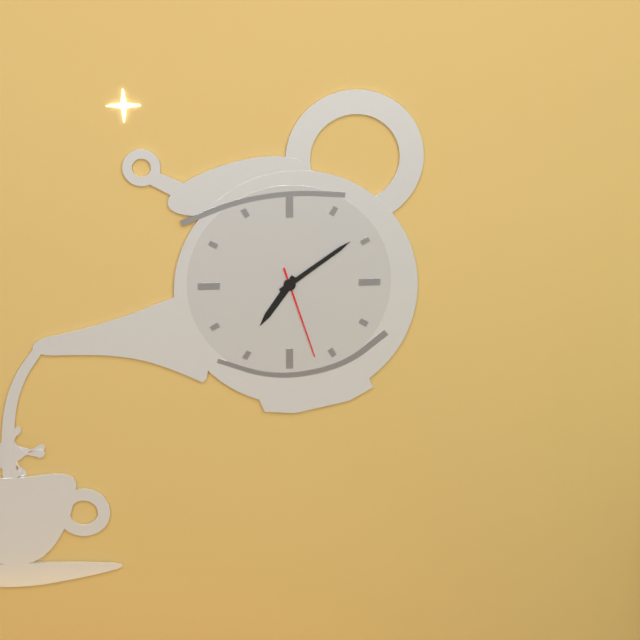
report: 7,09,27
